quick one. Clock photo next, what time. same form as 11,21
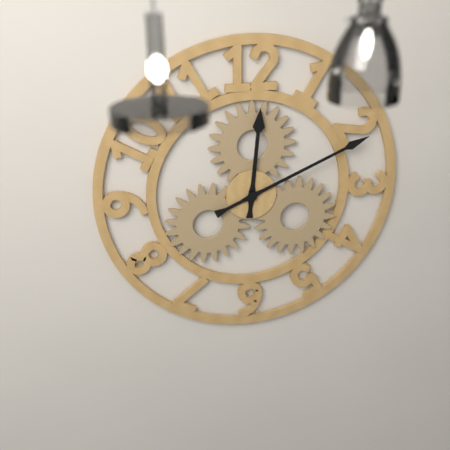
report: 12,11
